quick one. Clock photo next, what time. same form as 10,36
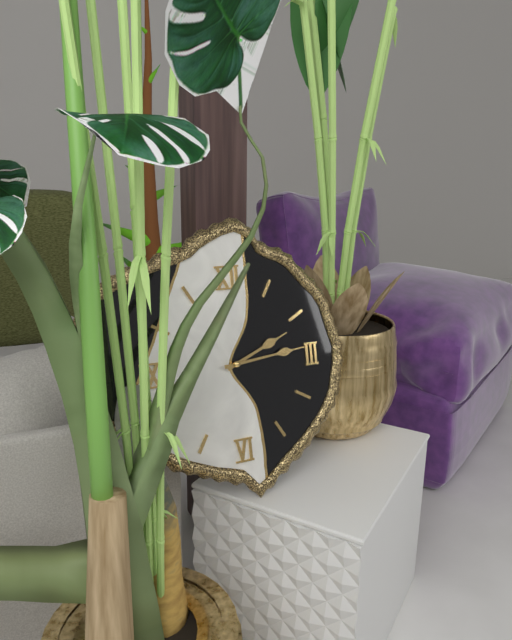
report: 2,14
